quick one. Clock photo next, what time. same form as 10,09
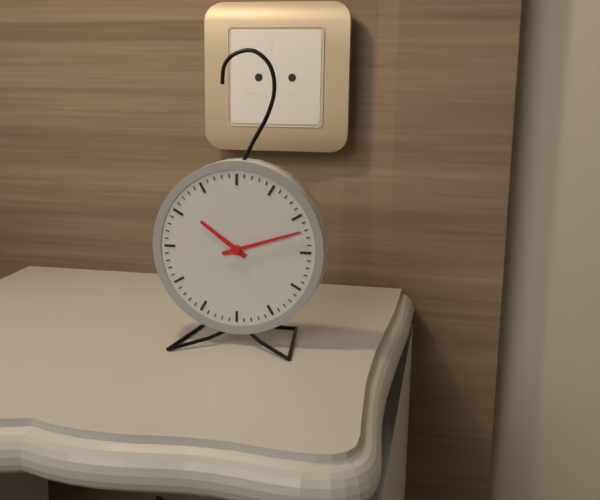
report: 10,12
